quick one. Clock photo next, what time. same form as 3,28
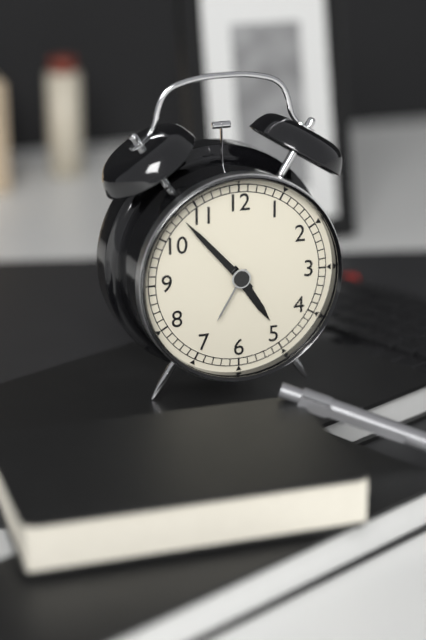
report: 4,53
